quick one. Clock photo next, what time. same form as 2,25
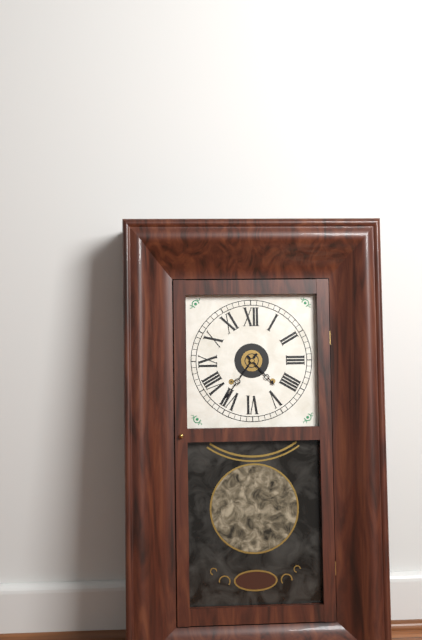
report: 4,36
